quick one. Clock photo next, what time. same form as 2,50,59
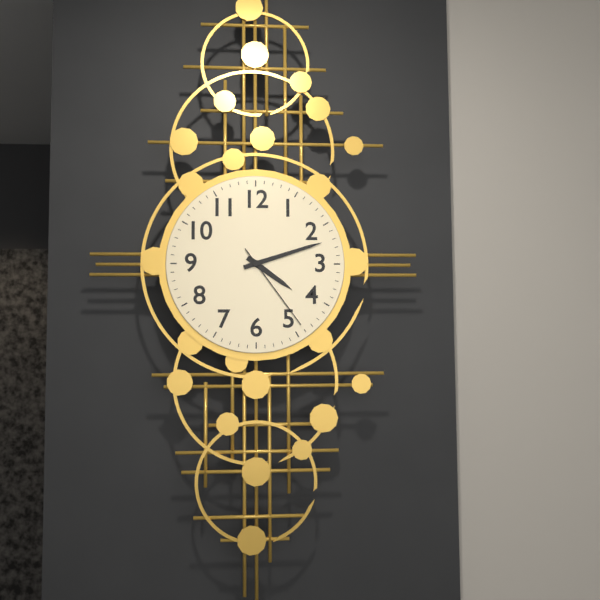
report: 4,12,24
